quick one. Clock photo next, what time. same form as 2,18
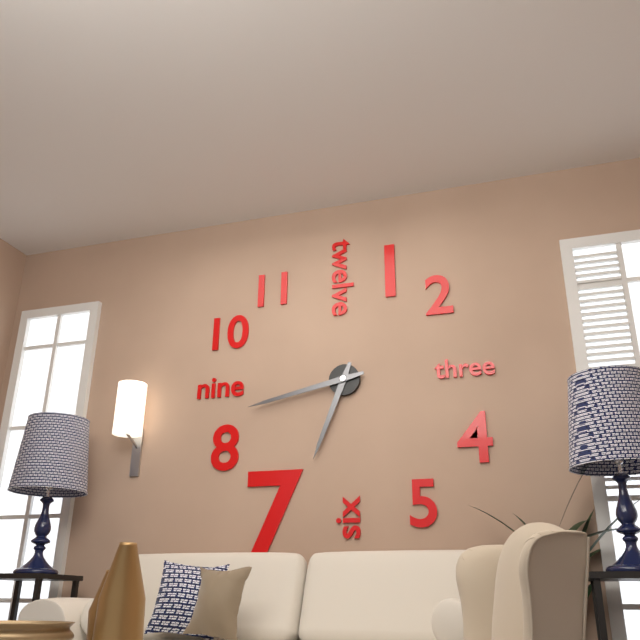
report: 6,43
